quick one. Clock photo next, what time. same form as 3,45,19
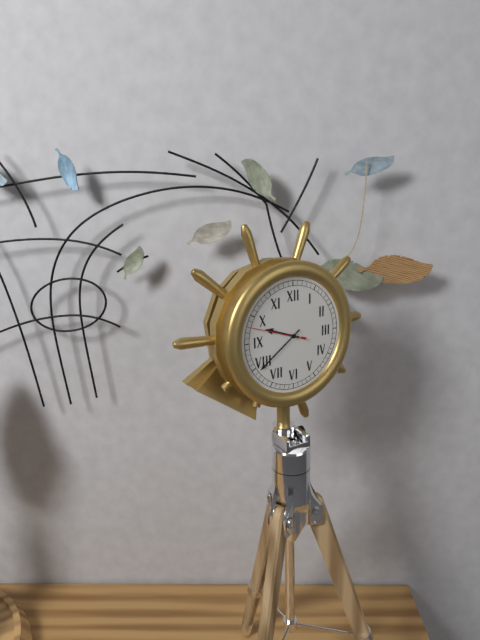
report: 9,39,48
